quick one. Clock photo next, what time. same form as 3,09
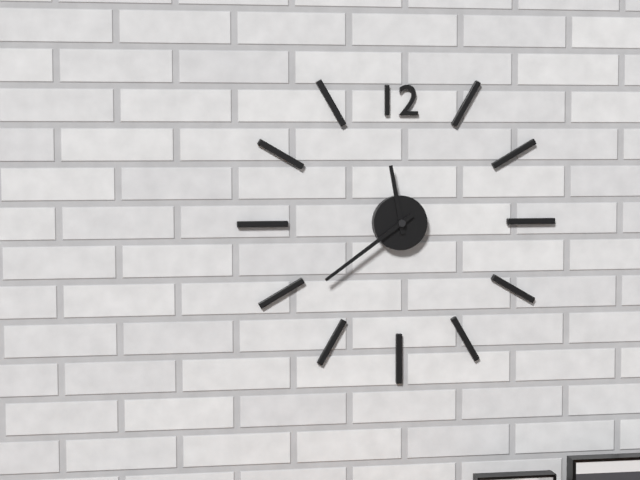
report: 11,39
